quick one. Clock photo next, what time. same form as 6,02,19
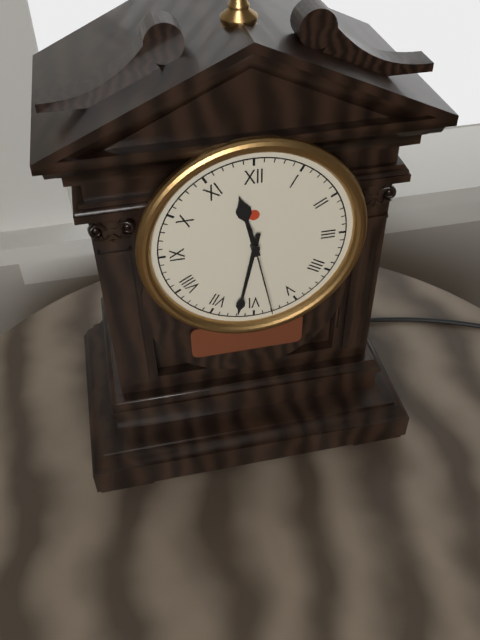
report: 11,32,28
